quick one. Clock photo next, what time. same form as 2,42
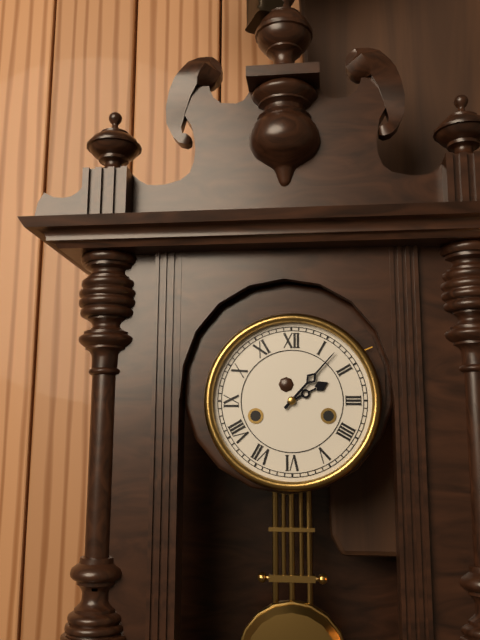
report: 2,07
